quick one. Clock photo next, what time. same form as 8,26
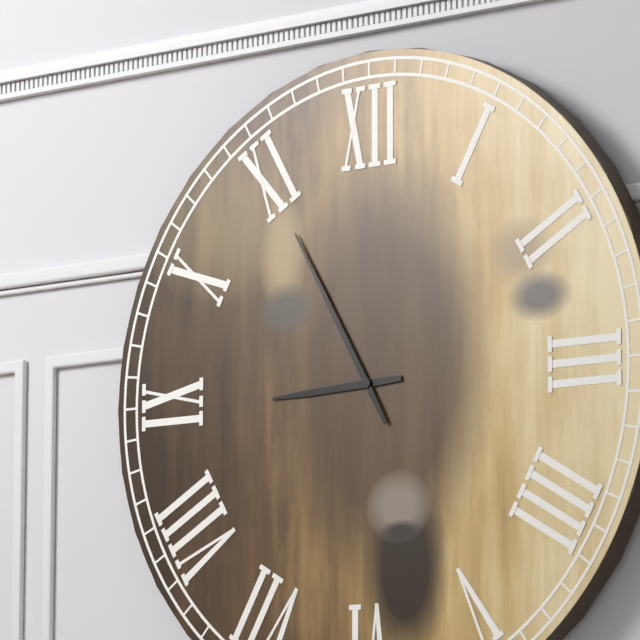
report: 8,55
